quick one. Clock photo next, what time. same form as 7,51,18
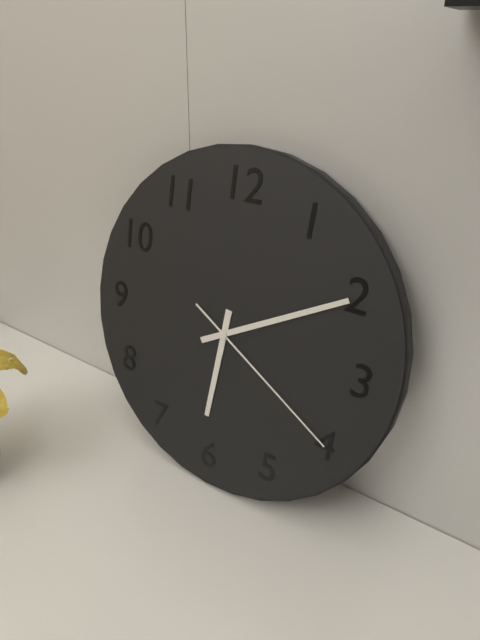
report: 6,10,20
